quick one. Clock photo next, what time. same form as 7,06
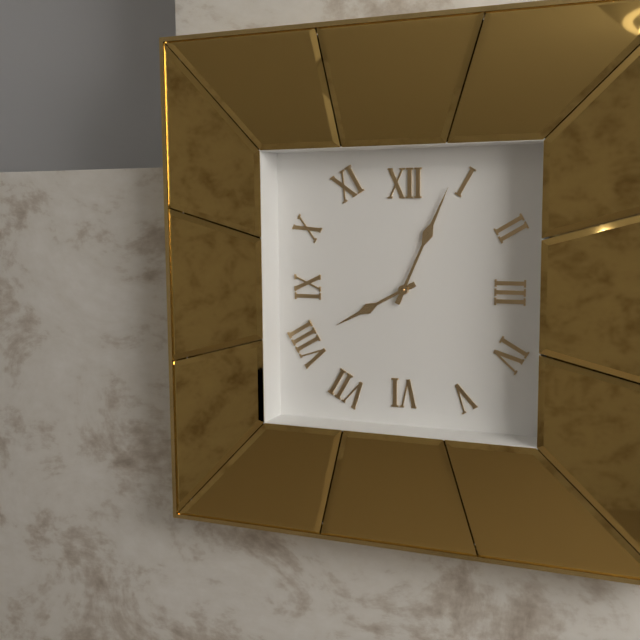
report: 8,04
